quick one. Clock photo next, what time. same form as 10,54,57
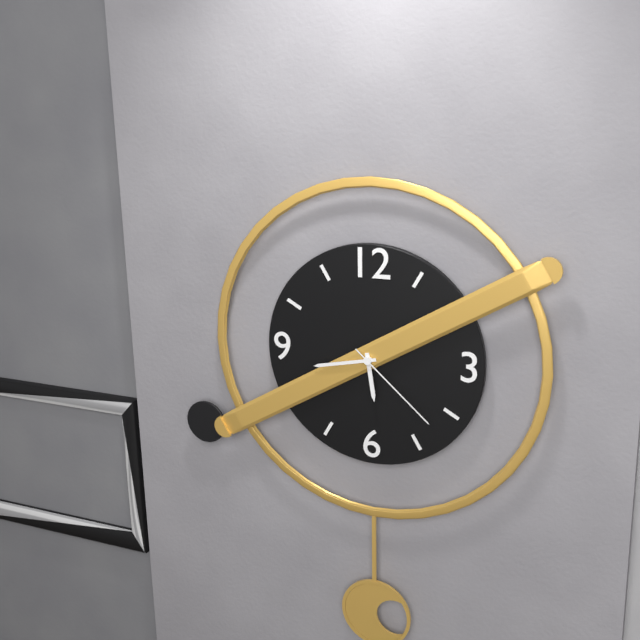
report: 5,43,22
